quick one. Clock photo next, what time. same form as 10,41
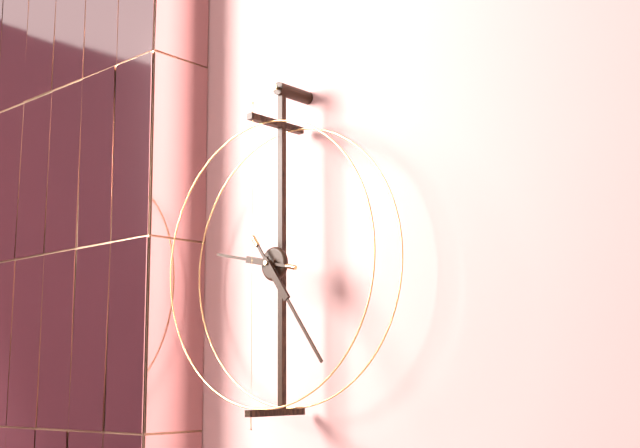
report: 9,24
